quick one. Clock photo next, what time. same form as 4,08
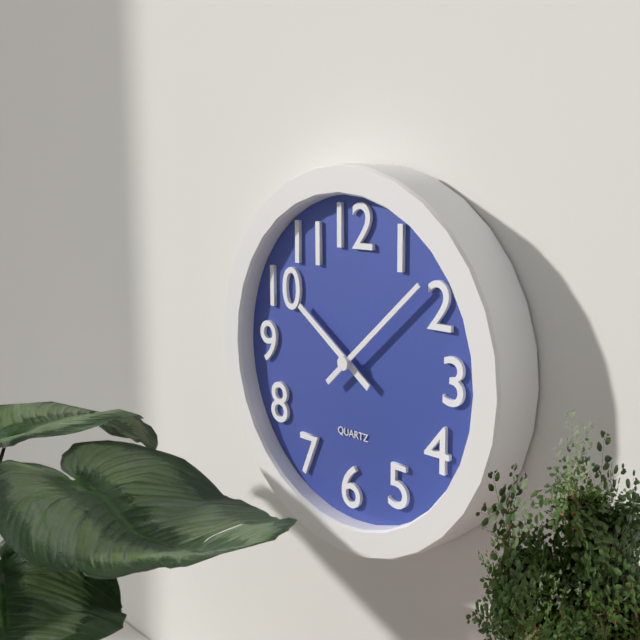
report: 10,08
